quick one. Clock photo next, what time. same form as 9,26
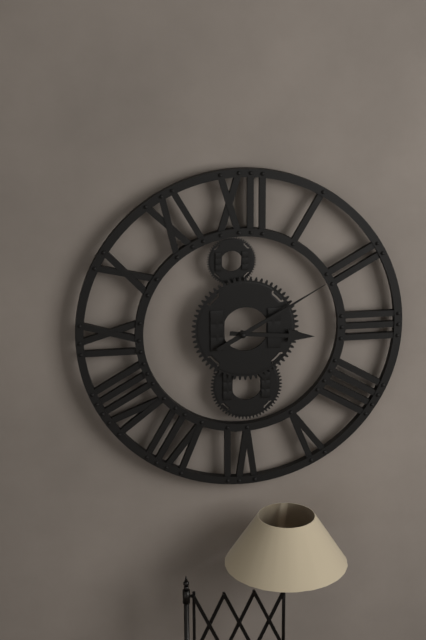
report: 3,10
